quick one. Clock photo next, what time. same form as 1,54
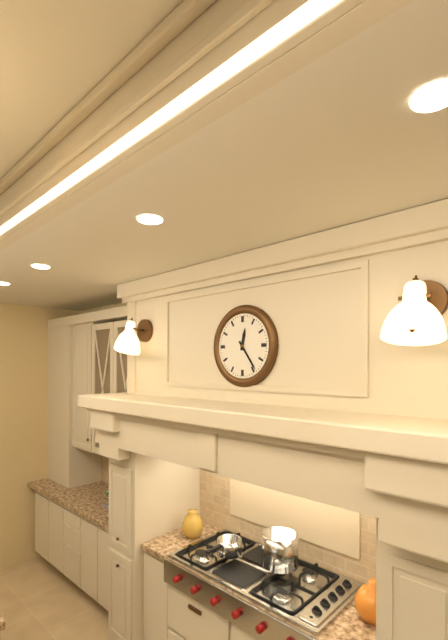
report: 12,24
